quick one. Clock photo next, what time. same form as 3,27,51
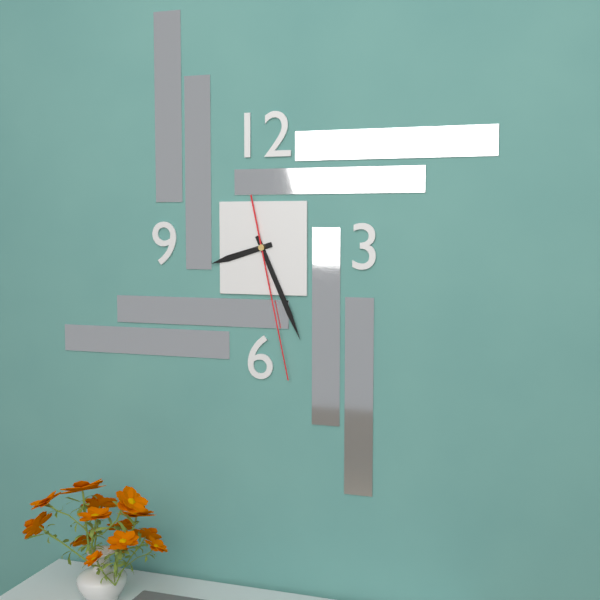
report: 8,26,28
